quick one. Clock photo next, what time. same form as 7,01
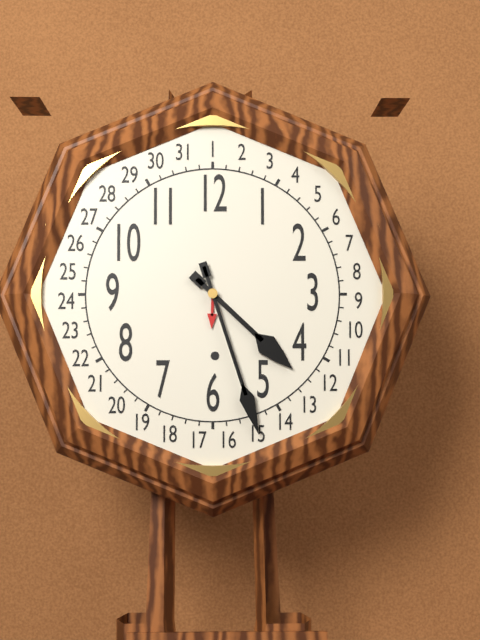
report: 4,27
